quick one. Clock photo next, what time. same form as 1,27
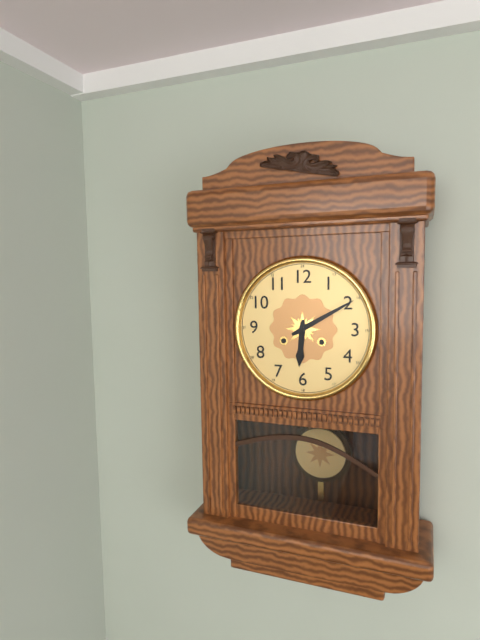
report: 6,10
